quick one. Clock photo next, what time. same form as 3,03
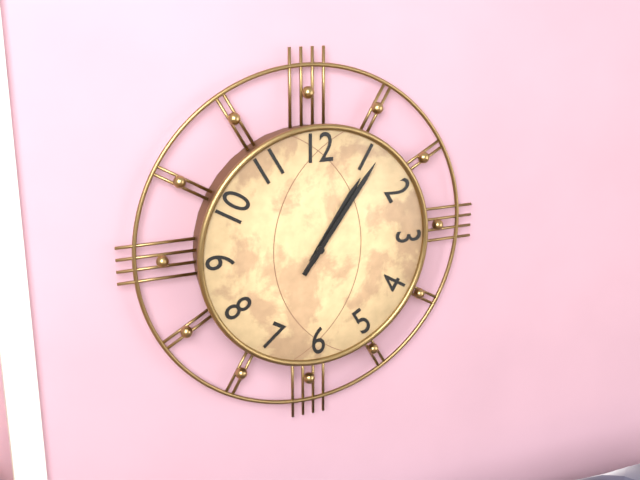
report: 1,06
